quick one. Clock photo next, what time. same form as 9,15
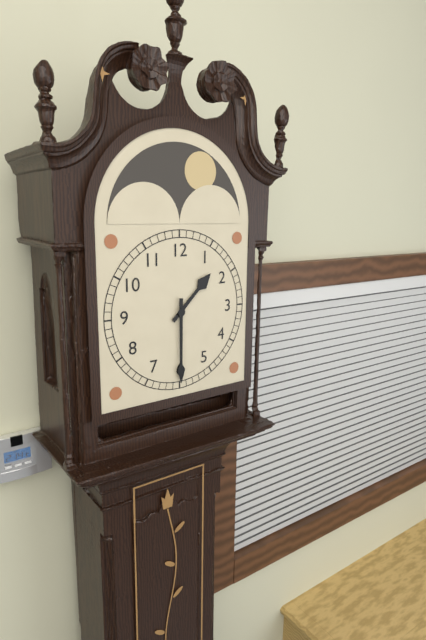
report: 1,30
